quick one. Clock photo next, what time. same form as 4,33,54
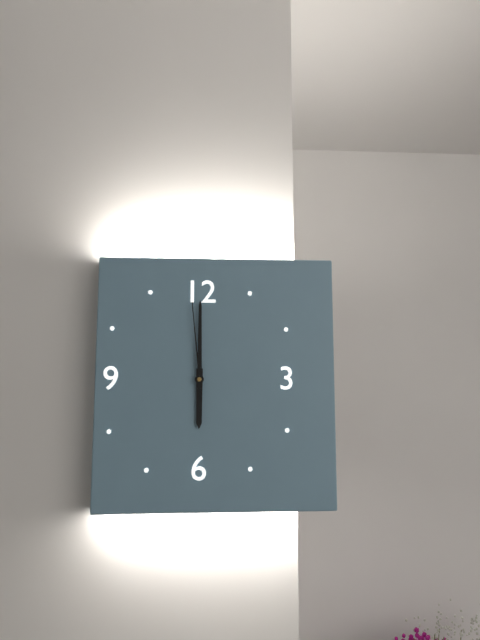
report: 6,00,59
